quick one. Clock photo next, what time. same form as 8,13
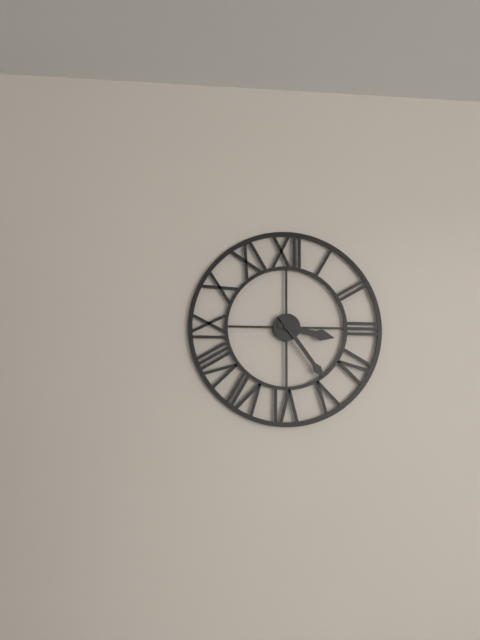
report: 3,24
